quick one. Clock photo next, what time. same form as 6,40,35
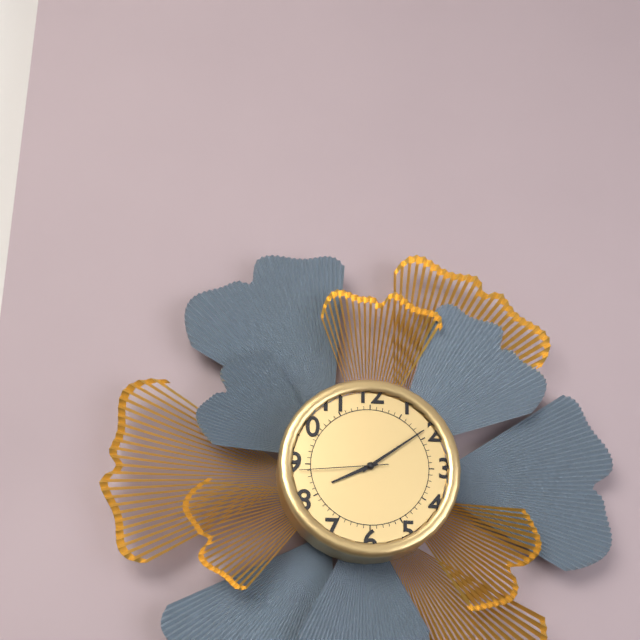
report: 8,09,44
